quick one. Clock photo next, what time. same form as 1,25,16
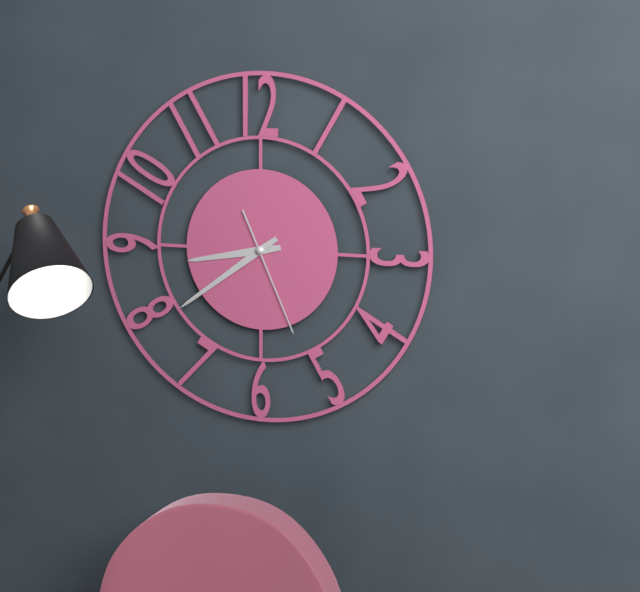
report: 8,39,26
